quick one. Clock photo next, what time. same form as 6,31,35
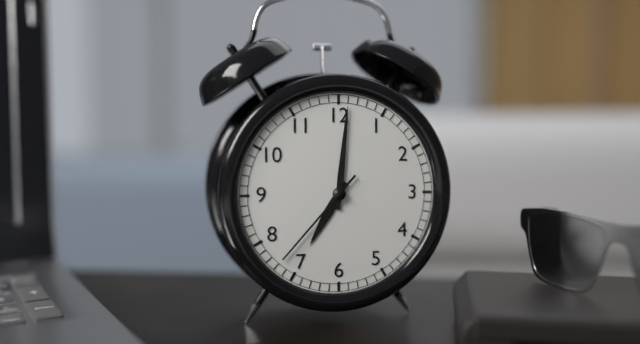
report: 7,01,37
